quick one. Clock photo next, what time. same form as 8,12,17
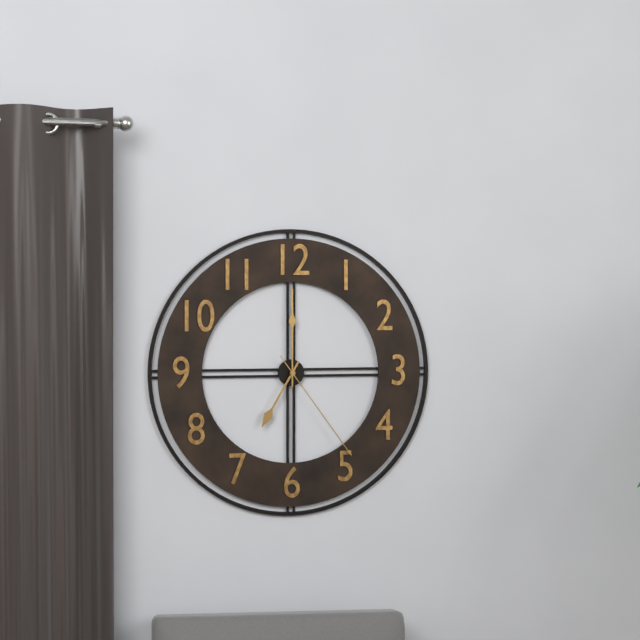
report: 7,00,24
